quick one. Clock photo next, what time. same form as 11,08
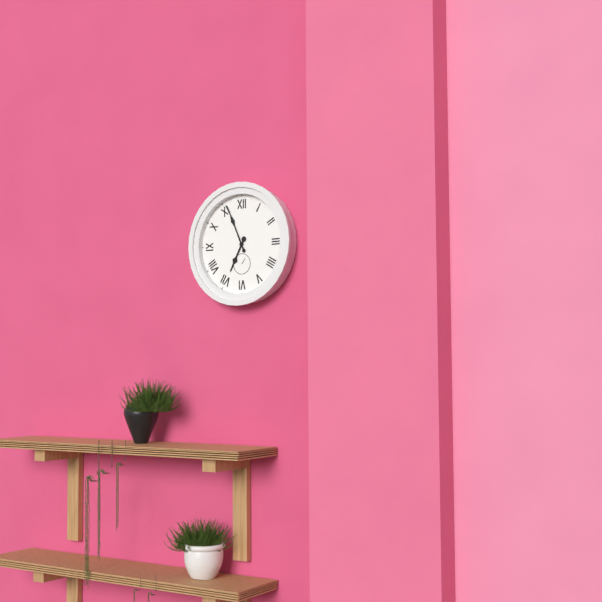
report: 6,56
